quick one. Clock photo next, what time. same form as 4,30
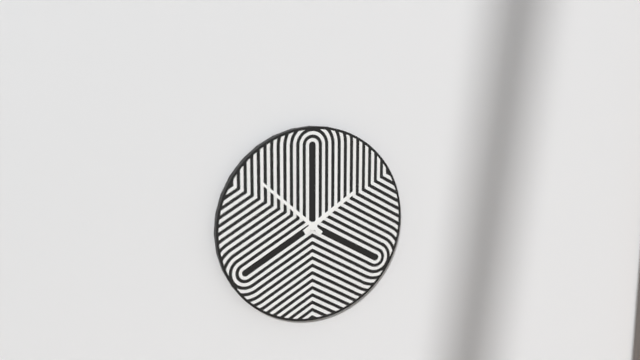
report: 1,52
